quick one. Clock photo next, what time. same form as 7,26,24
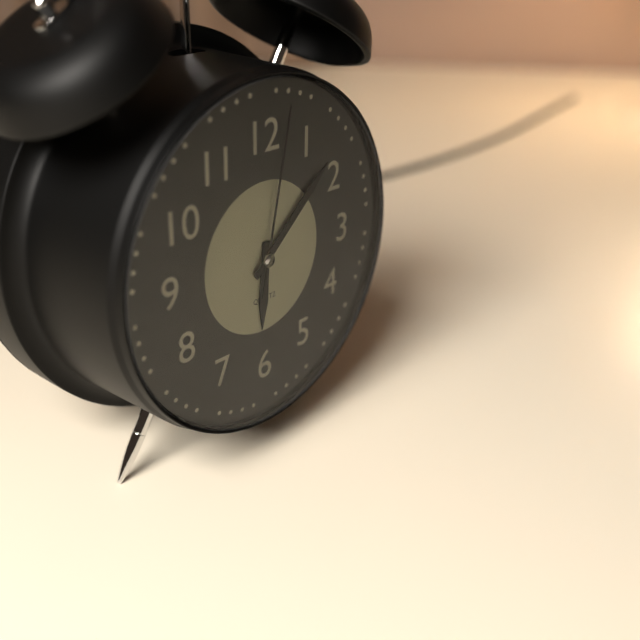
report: 6,08,02
